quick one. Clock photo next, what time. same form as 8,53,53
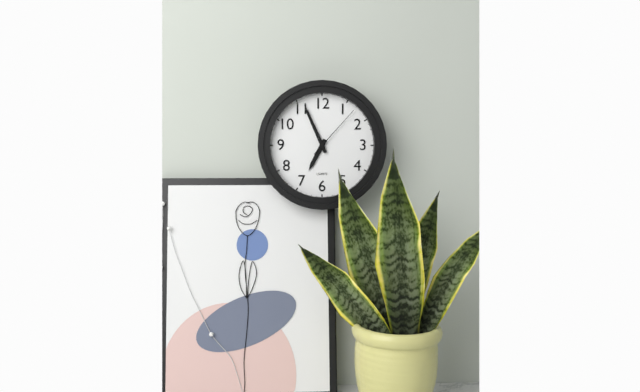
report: 6,56,07
